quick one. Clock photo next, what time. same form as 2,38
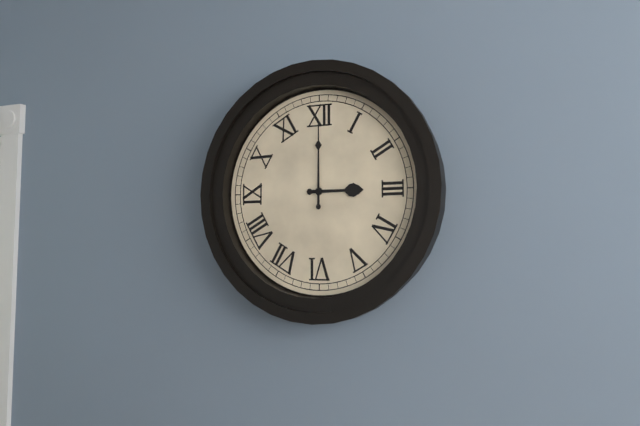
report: 3,00
